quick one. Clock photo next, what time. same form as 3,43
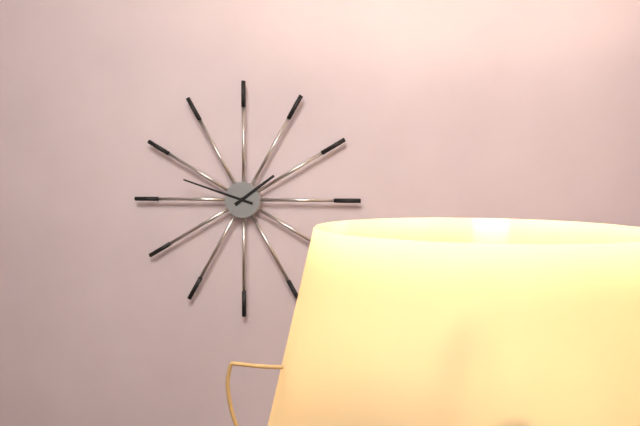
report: 1,48
